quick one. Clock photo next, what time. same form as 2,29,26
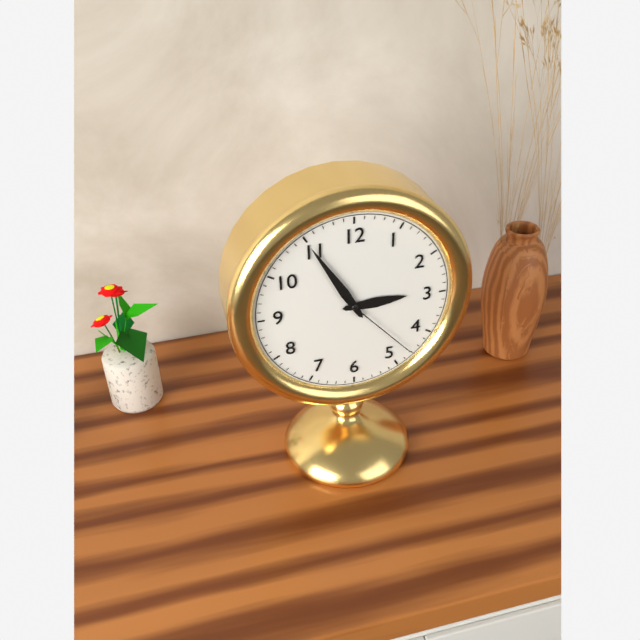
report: 2,55,23
